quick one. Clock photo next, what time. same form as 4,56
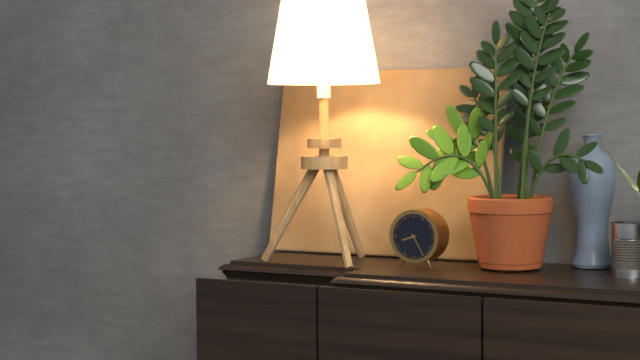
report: 8,25
